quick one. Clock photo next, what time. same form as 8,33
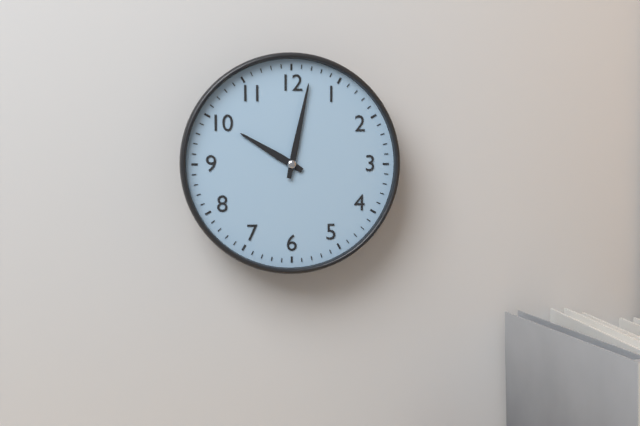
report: 10,02
